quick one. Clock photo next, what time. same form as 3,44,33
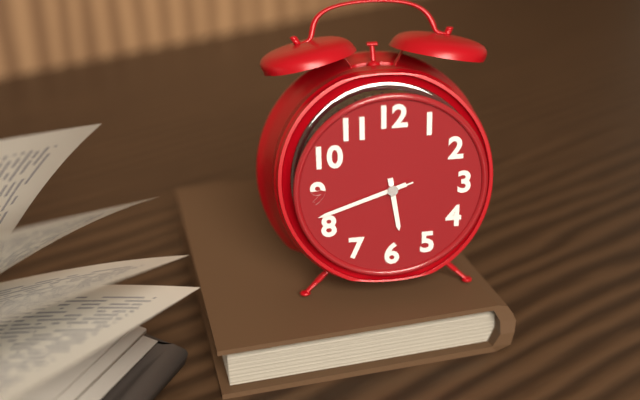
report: 5,42,42
